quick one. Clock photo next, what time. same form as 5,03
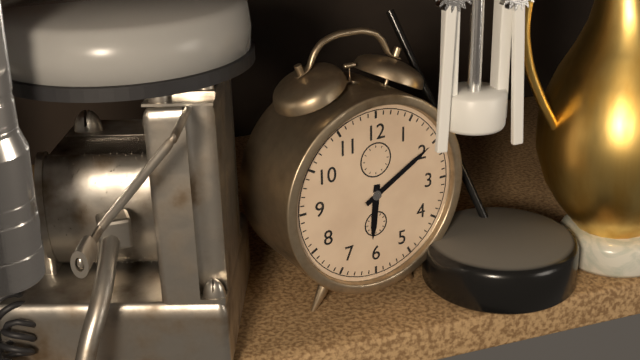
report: 6,10
